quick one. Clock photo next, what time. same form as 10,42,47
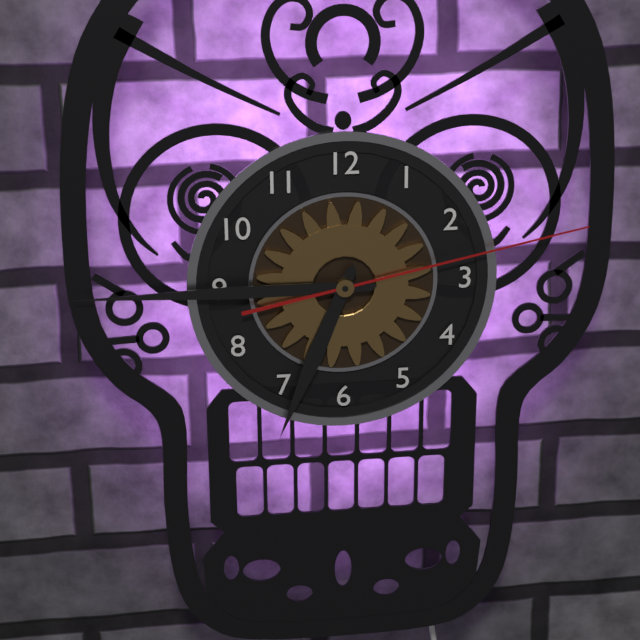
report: 6,45,13
